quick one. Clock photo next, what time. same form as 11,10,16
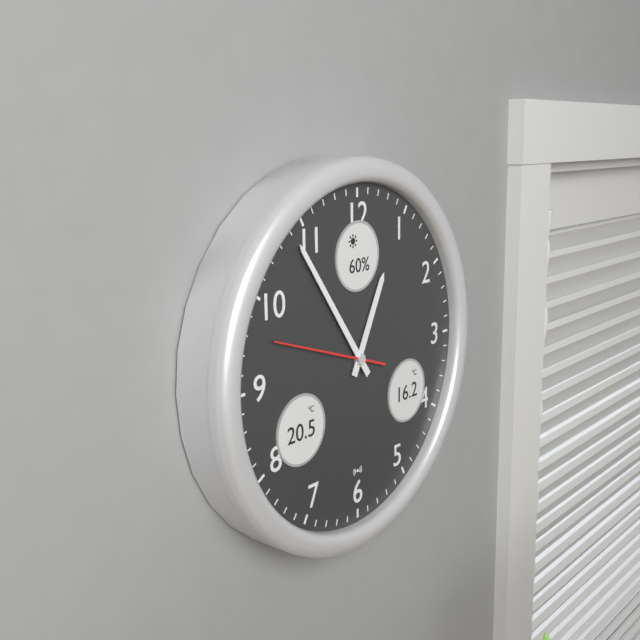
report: 12,54,48
